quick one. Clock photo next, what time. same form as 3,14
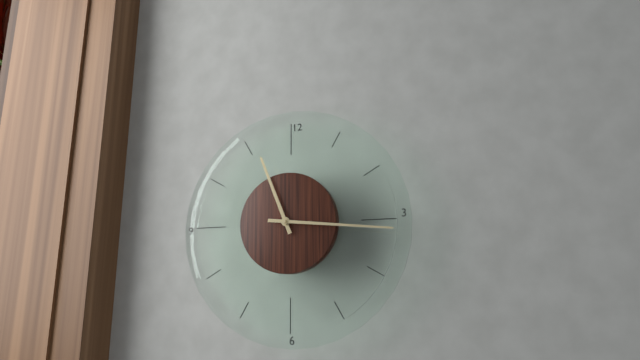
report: 11,16
